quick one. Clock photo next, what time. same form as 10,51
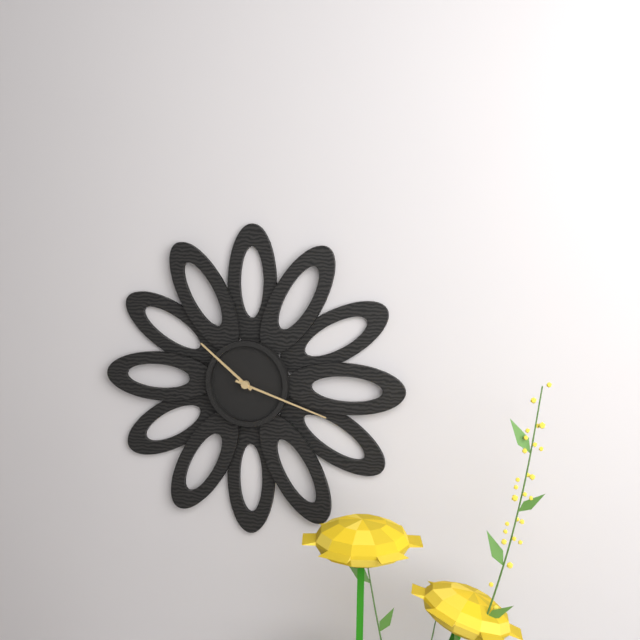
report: 10,18
